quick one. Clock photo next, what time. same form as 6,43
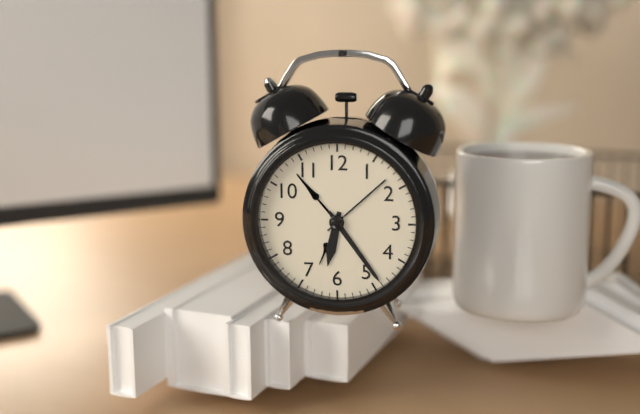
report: 6,24
